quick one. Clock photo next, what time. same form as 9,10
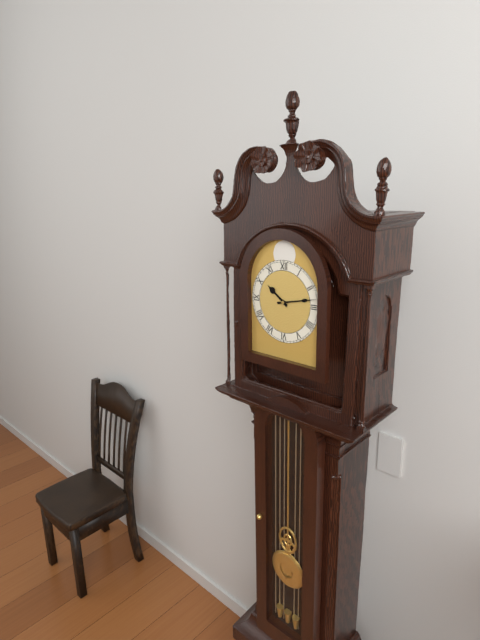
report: 10,13
